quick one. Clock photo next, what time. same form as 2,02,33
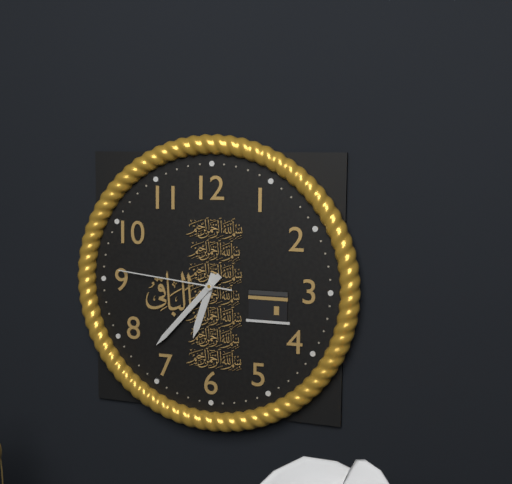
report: 6,37,46
